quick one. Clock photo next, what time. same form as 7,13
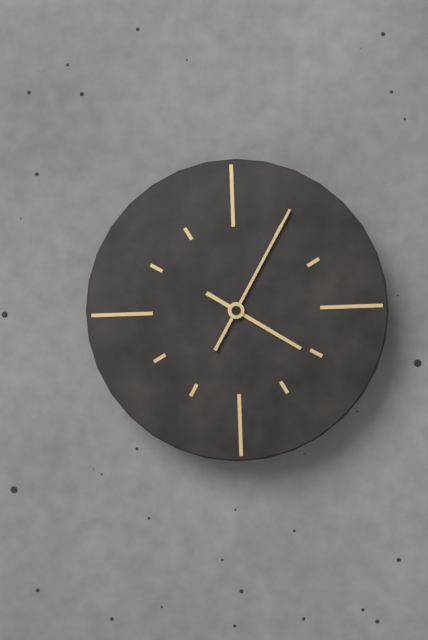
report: 4,05
